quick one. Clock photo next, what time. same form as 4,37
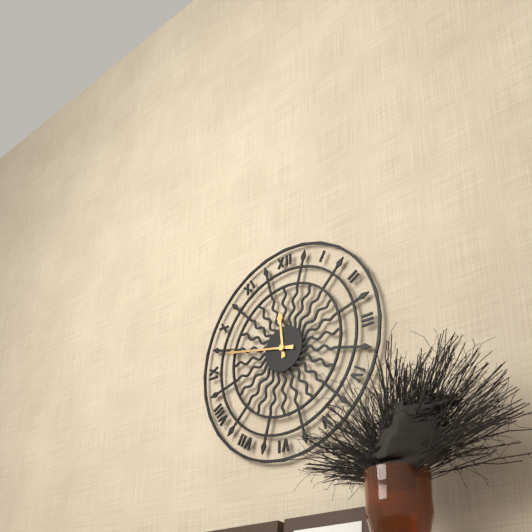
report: 11,47
